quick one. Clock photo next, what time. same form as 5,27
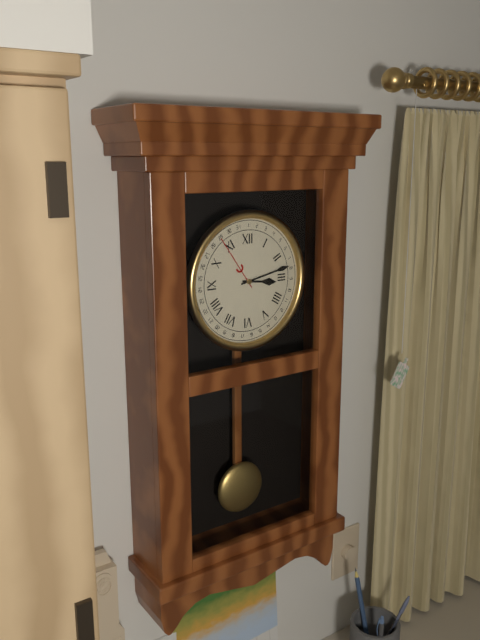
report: 3,13
